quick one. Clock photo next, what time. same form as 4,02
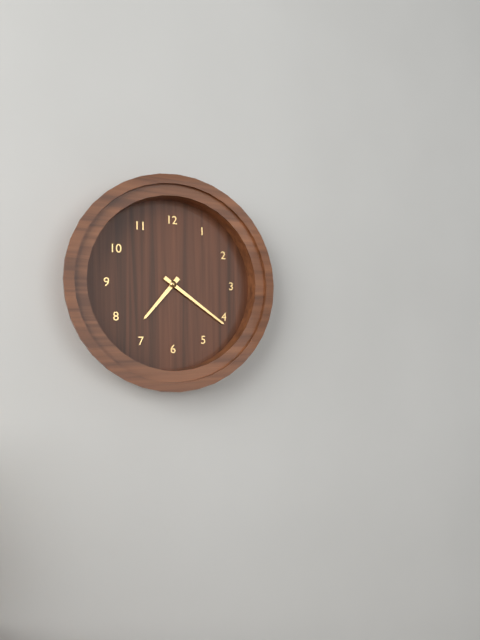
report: 7,21
